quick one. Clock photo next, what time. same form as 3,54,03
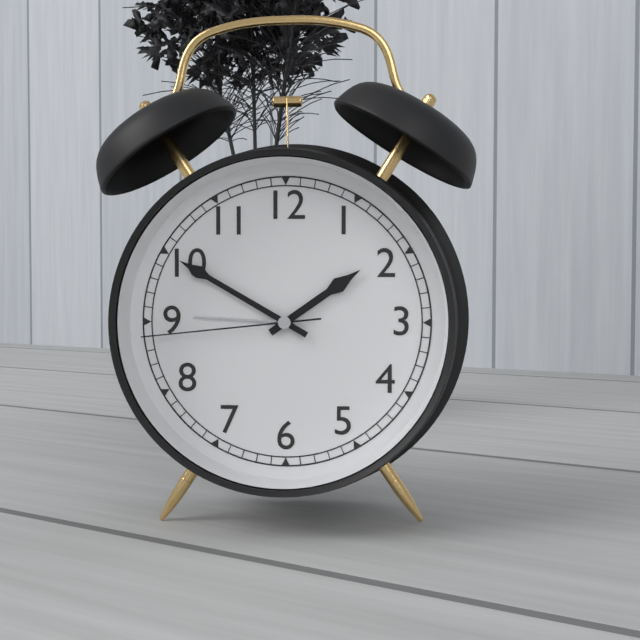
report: 1,50,44
